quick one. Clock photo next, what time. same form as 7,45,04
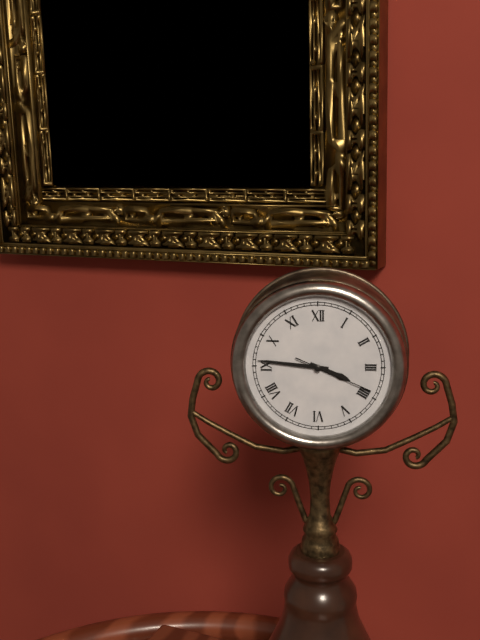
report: 3,46,19
